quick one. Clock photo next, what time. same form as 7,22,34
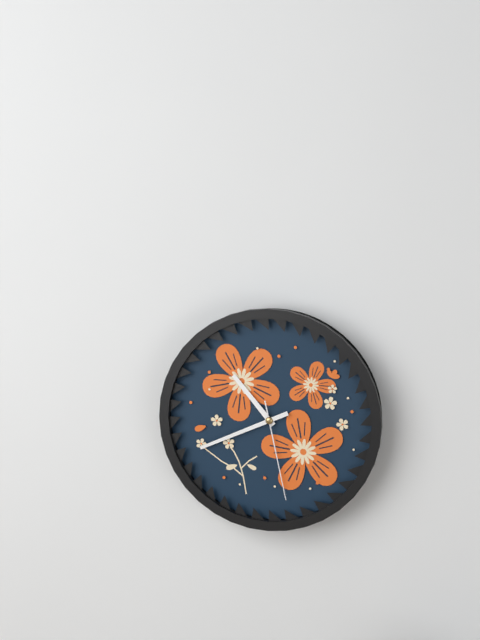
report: 10,41,28
